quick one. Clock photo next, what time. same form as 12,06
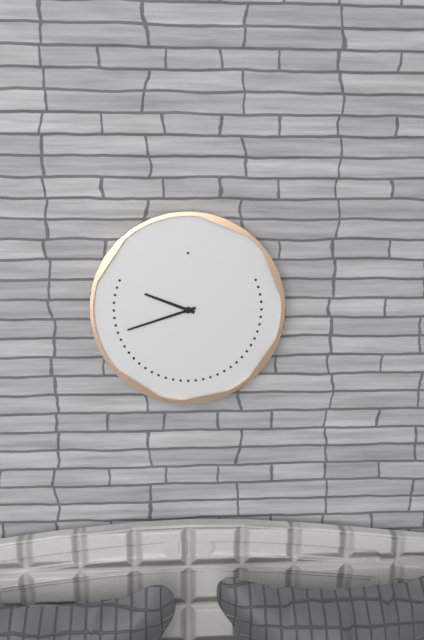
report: 9,42
